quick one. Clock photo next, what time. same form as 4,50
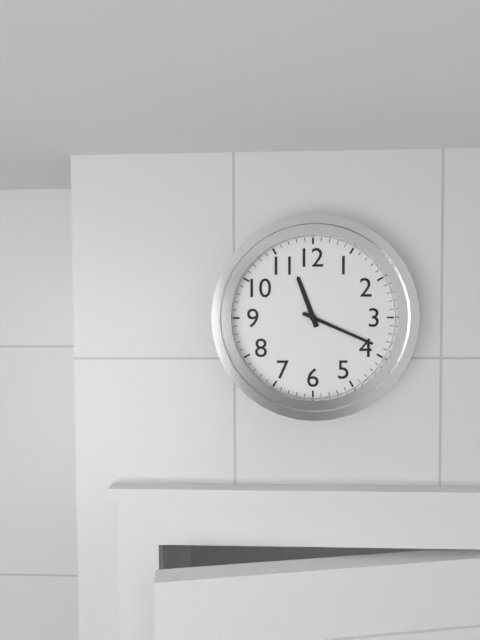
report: 11,19
